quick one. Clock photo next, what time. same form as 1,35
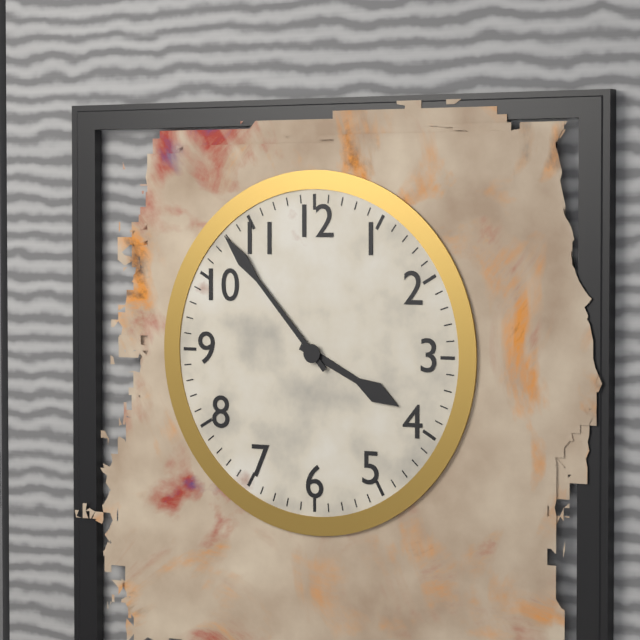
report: 3,53
